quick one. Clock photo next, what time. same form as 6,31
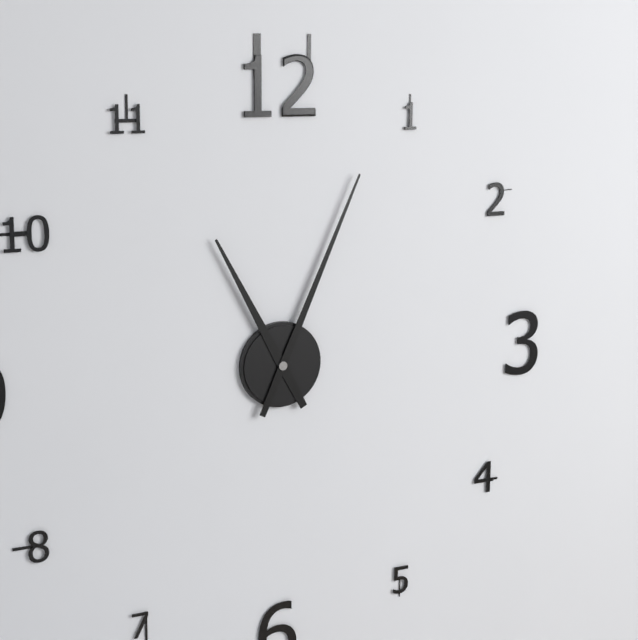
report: 11,04
